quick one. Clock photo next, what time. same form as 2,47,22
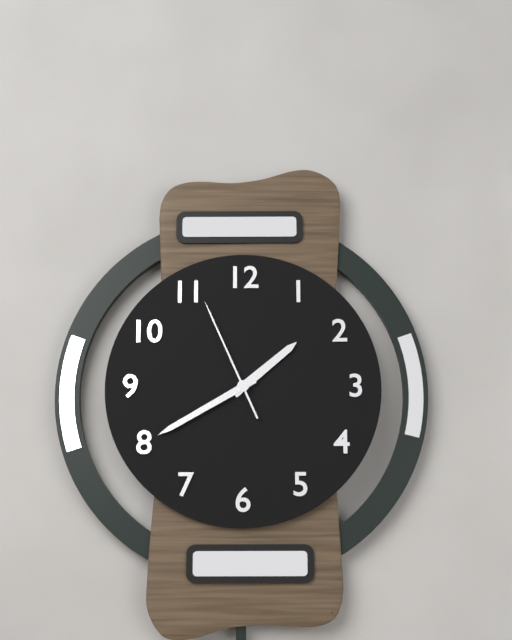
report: 1,40,56
